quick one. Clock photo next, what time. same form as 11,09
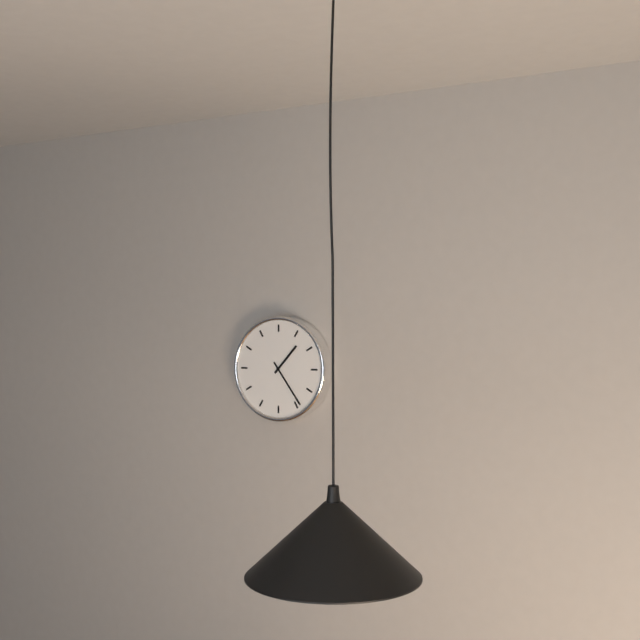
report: 1,24
